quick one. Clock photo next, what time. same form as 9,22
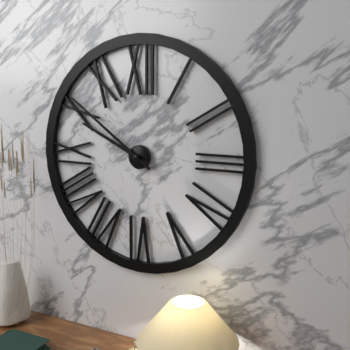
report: 9,51
